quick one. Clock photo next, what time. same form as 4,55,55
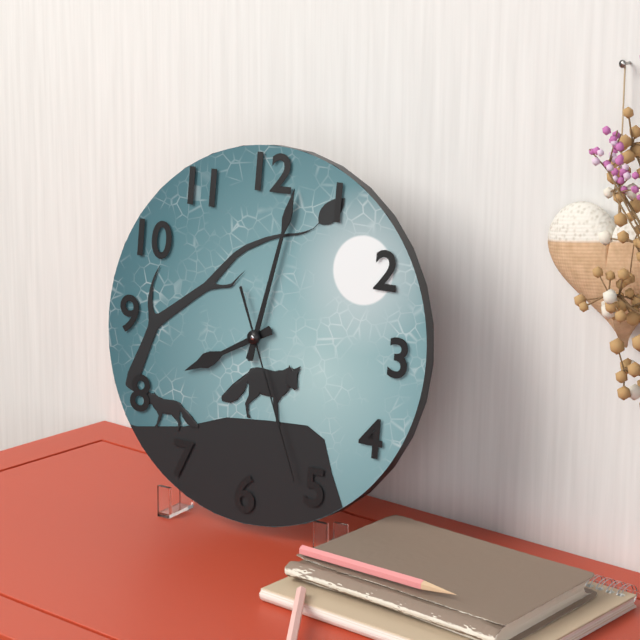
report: 8,02,26
